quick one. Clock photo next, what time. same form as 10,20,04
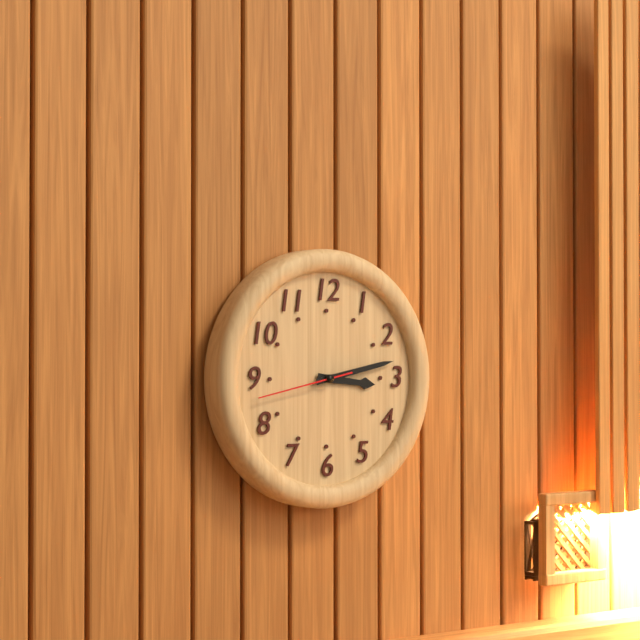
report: 3,13,43
